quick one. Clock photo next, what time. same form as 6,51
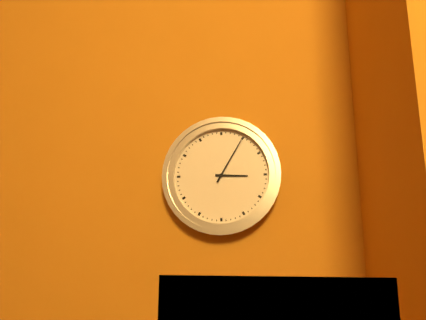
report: 3,05
